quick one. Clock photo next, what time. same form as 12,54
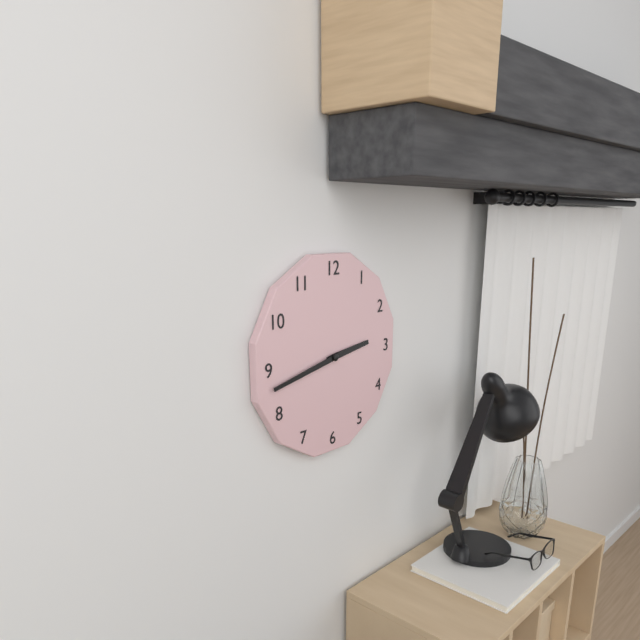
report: 2,43
